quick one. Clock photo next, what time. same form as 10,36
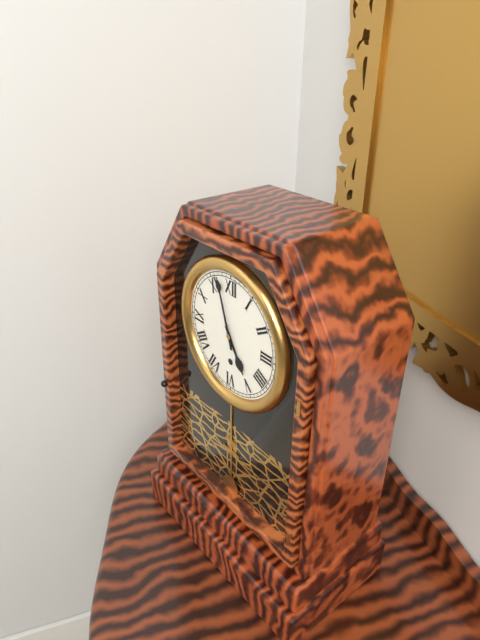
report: 4,57
